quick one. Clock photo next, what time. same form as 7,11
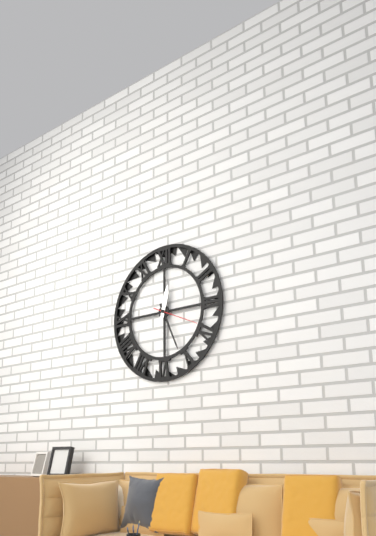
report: 12,26
